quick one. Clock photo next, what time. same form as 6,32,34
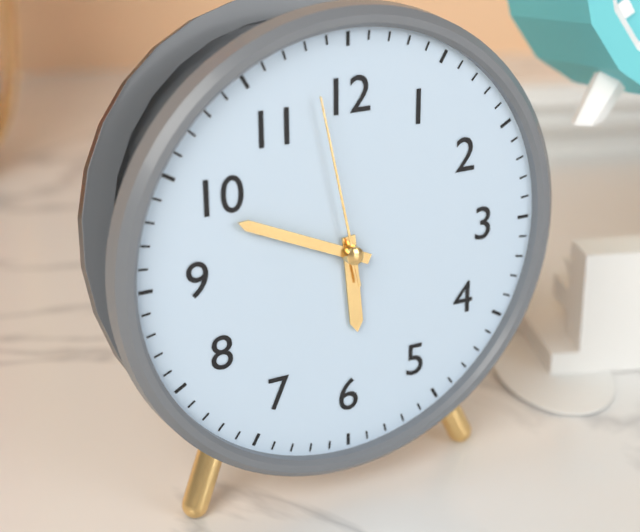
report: 5,49,58
